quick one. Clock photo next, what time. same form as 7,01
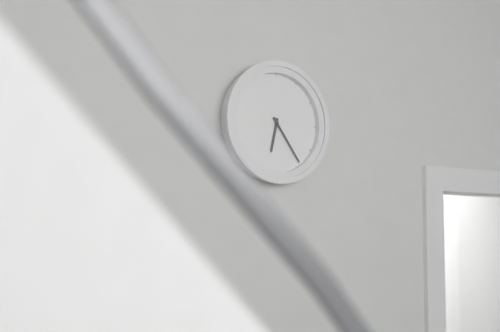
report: 6,24
